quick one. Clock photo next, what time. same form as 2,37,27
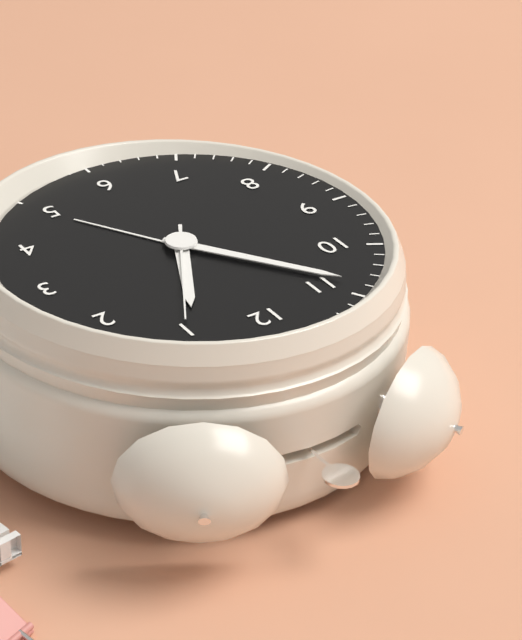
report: 12,54,05
